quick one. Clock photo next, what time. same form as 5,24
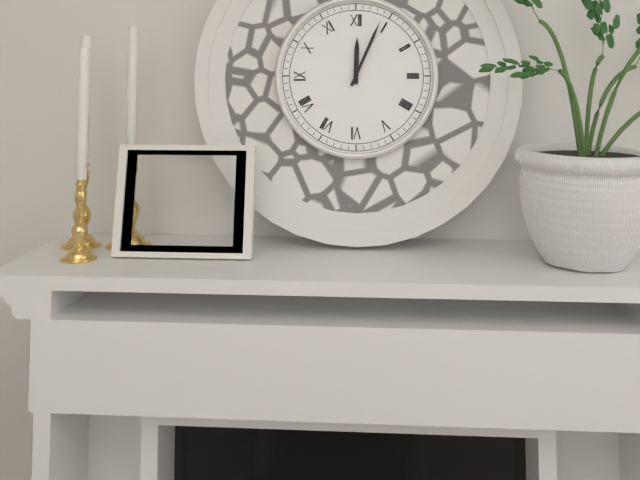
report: 12,04
